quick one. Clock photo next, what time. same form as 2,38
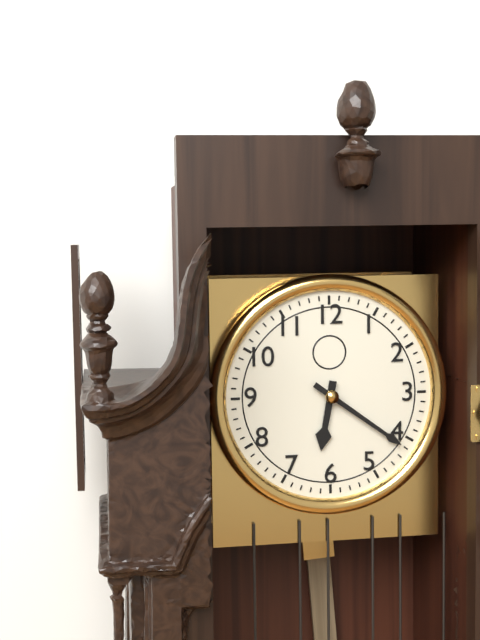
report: 6,21
